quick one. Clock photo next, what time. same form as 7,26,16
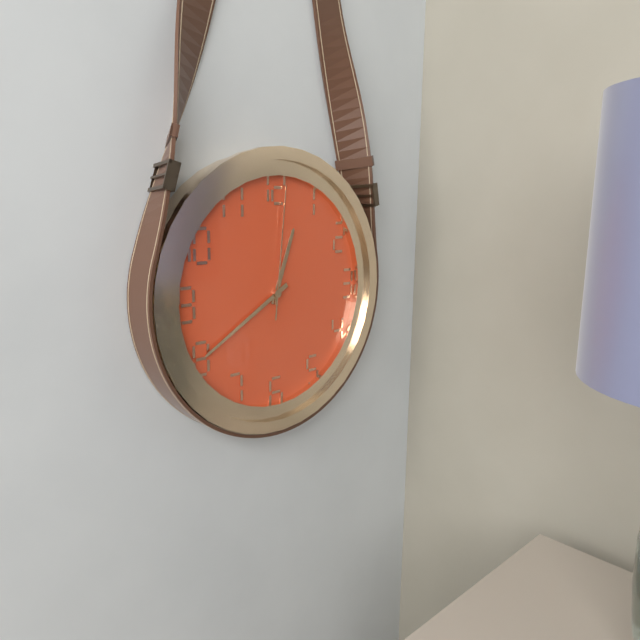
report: 12,40,01
